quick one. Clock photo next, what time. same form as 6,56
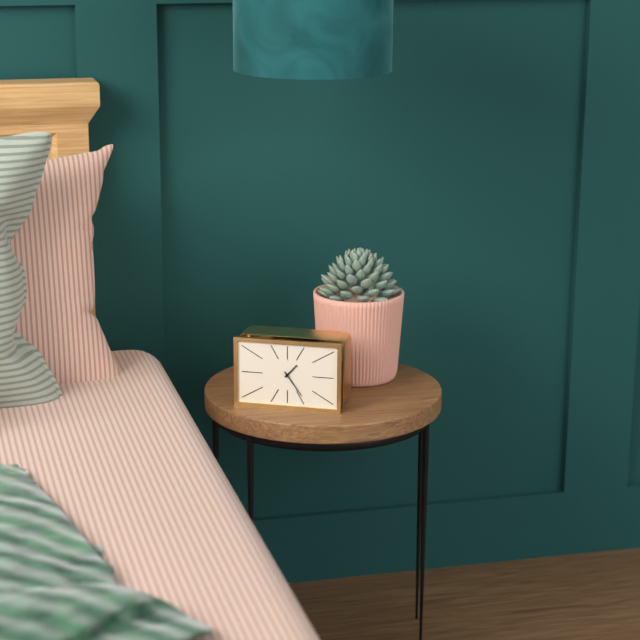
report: 1,24
